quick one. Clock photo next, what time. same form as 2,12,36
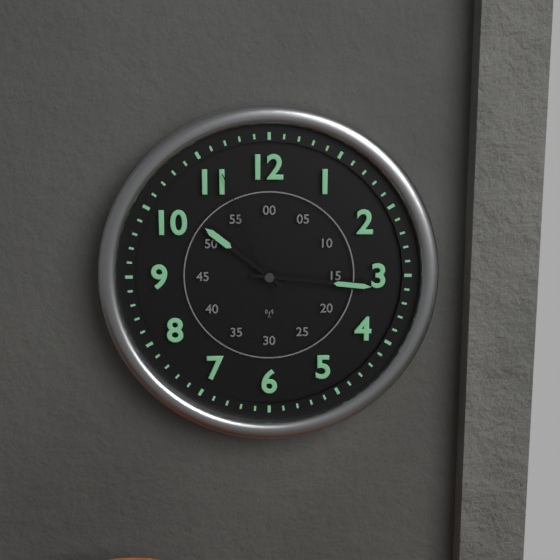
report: 10,16,56
